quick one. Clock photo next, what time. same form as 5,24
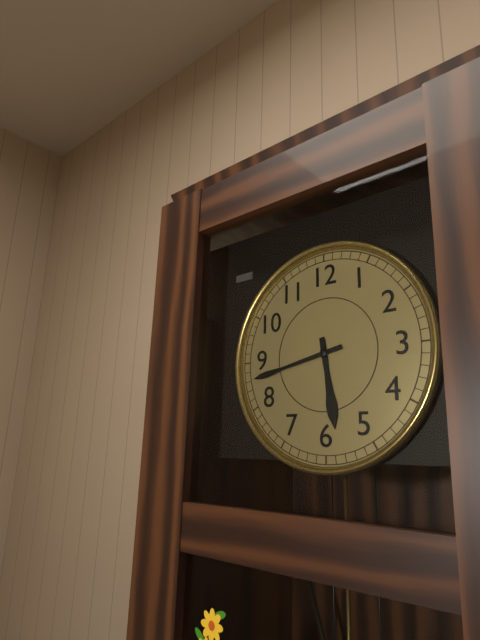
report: 5,43
